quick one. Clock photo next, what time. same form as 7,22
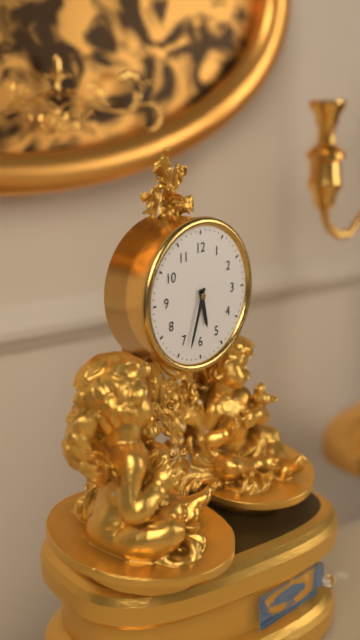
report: 5,33
